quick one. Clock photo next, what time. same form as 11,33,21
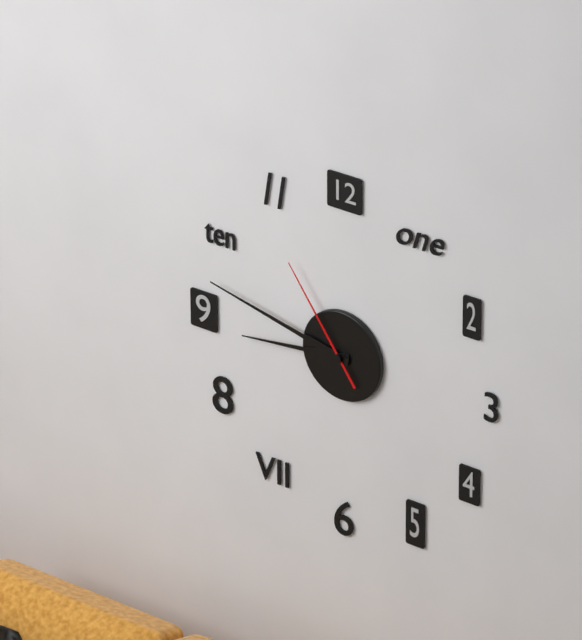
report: 8,47,54
